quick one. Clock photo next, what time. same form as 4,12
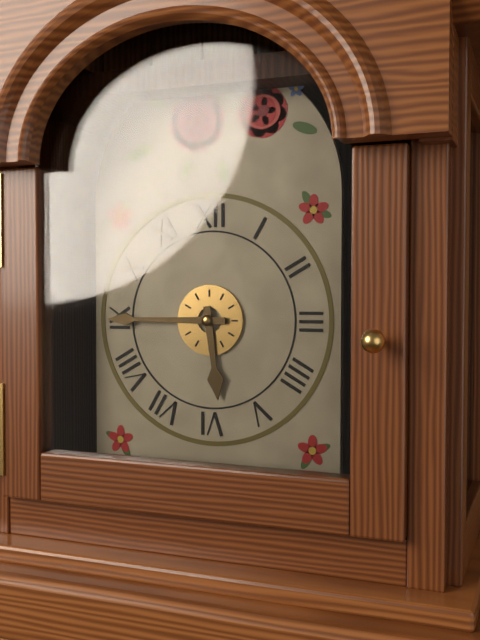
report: 5,45
